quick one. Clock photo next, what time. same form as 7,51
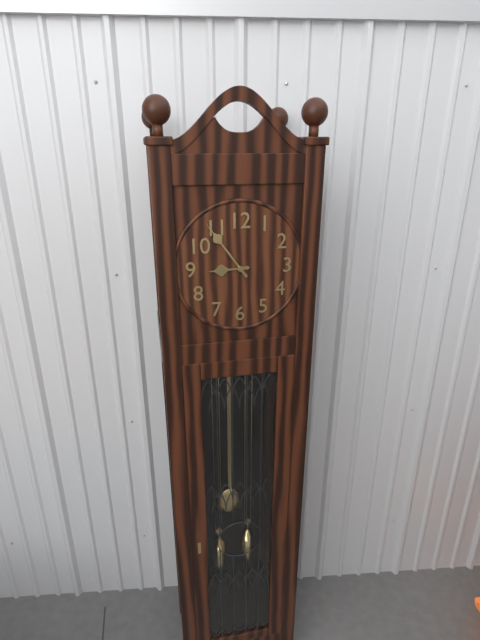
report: 8,54
